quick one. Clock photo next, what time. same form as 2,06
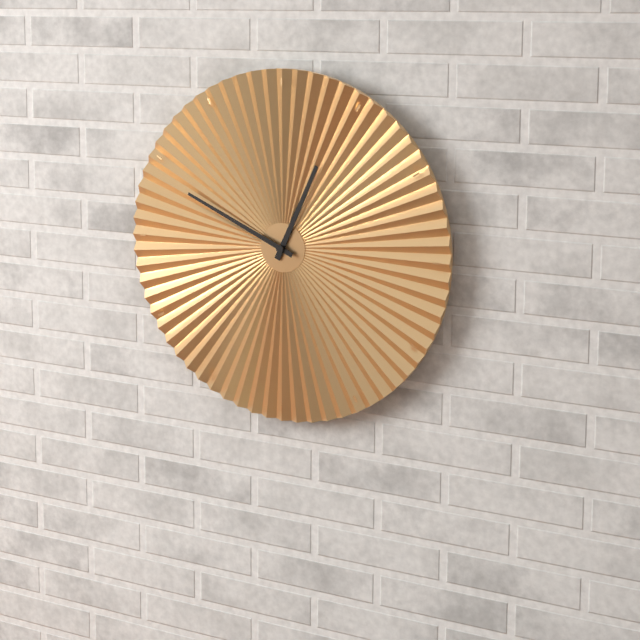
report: 12,49
